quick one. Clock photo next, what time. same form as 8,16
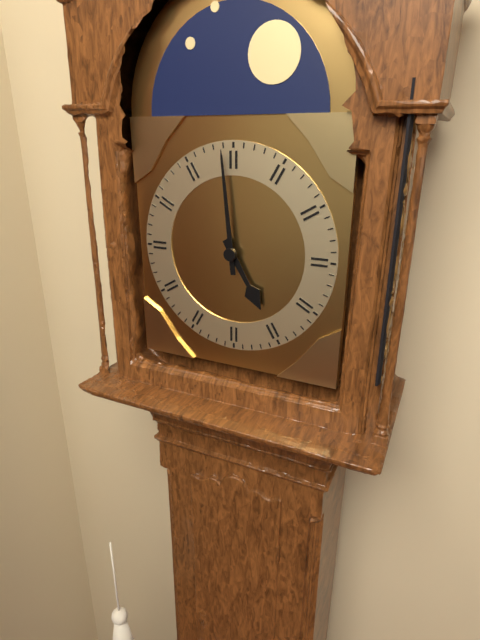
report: 4,59
